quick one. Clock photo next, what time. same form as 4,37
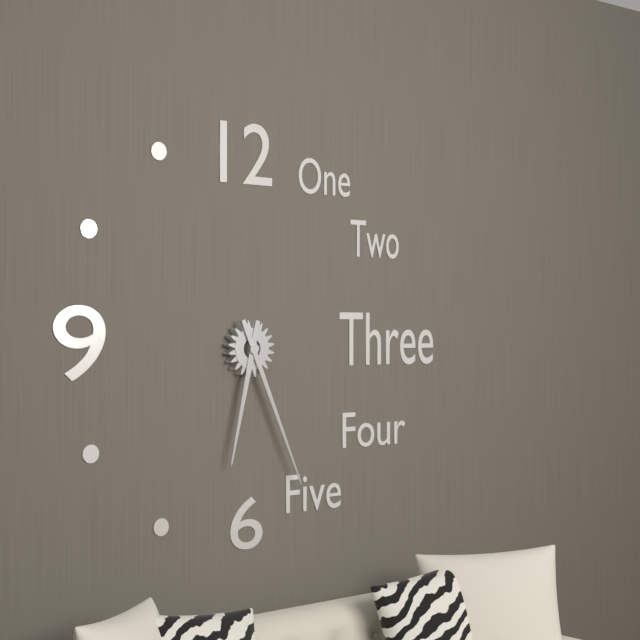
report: 6,26
